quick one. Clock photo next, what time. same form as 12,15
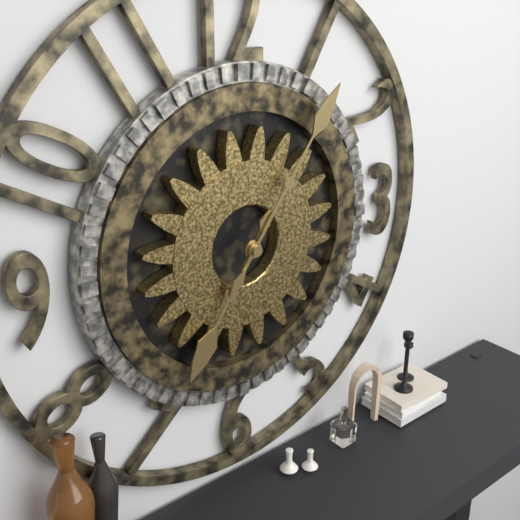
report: 7,06
